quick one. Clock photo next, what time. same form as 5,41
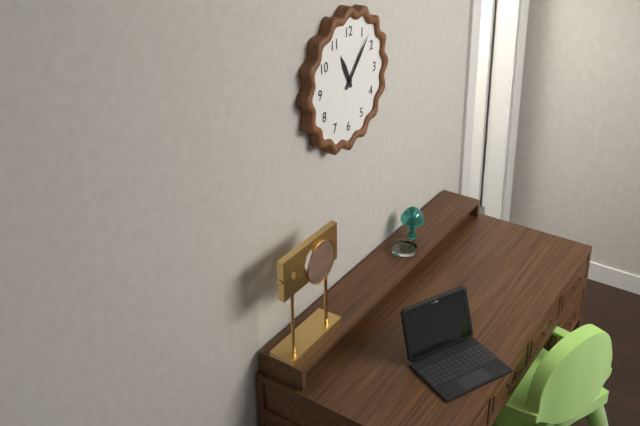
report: 11,07
